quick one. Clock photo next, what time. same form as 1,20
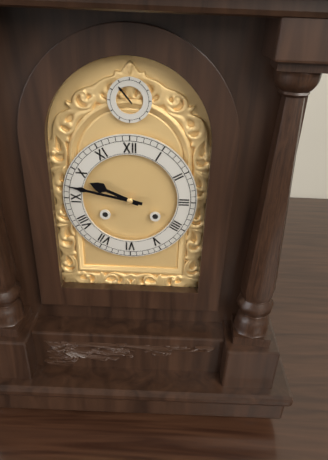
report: 9,47
